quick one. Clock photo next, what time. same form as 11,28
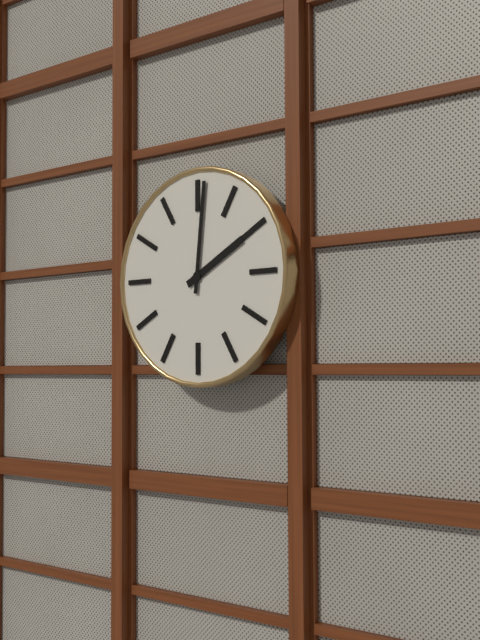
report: 2,01
